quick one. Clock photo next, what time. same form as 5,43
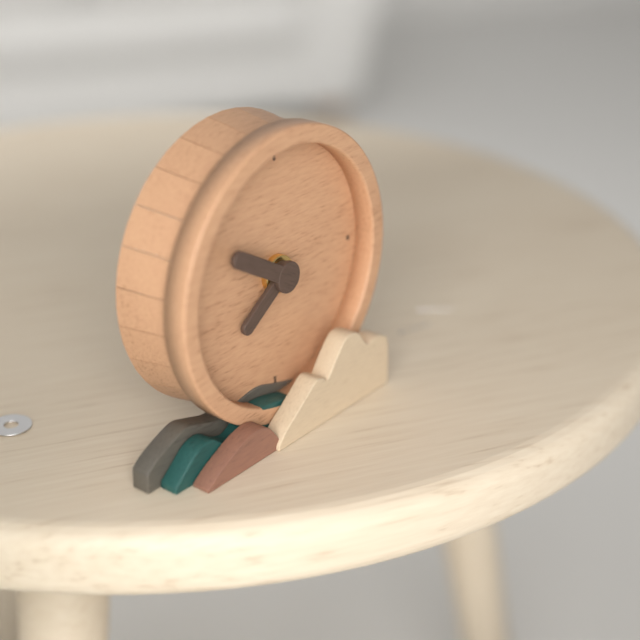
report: 7,50
